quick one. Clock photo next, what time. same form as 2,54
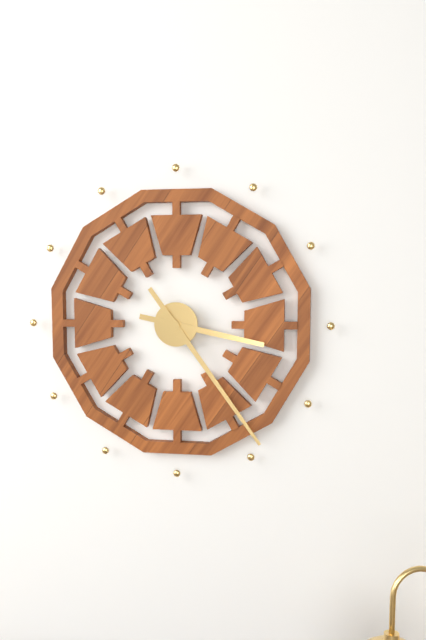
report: 3,24
